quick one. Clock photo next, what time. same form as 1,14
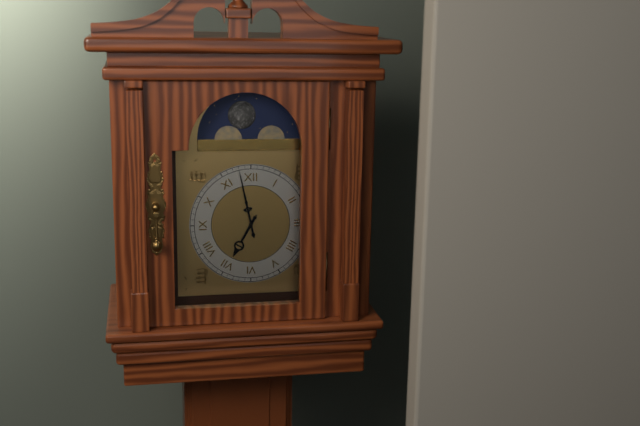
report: 6,58
